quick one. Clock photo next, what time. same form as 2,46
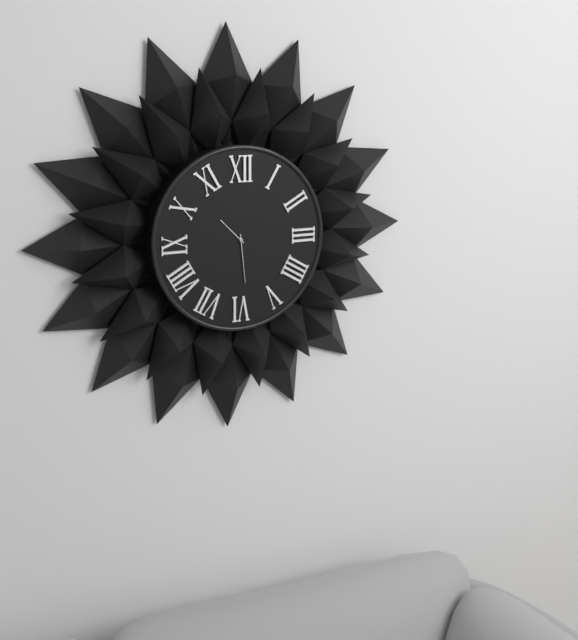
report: 10,29
